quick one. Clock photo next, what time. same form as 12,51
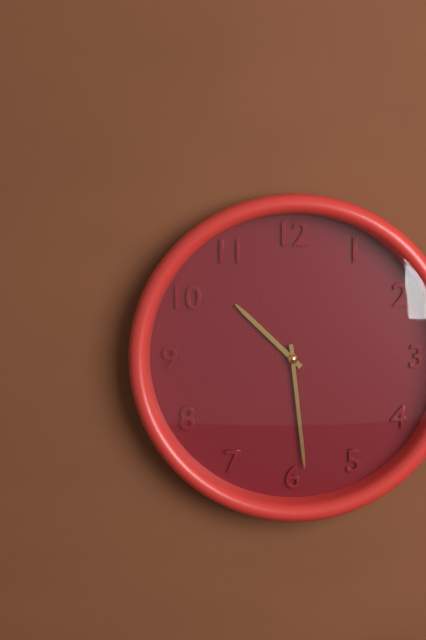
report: 10,29
